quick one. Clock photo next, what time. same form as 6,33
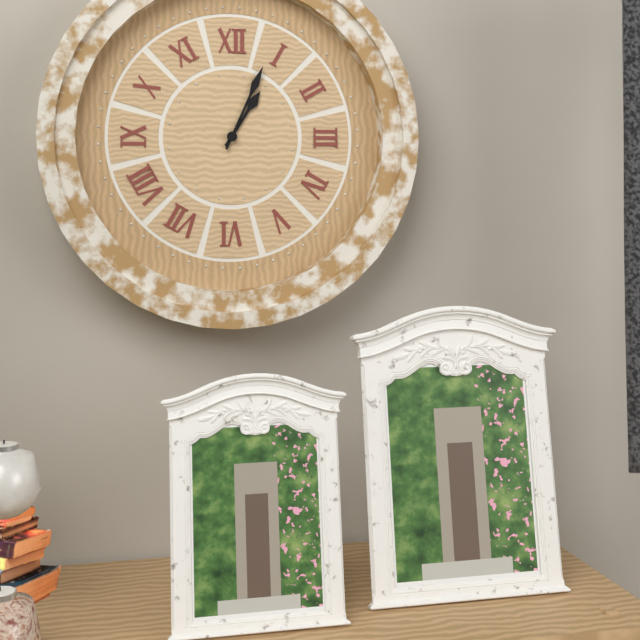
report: 1,04
